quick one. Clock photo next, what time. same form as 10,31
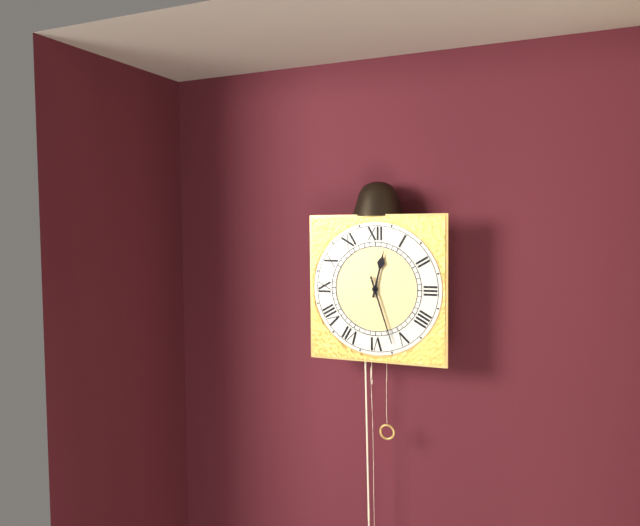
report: 12,27
